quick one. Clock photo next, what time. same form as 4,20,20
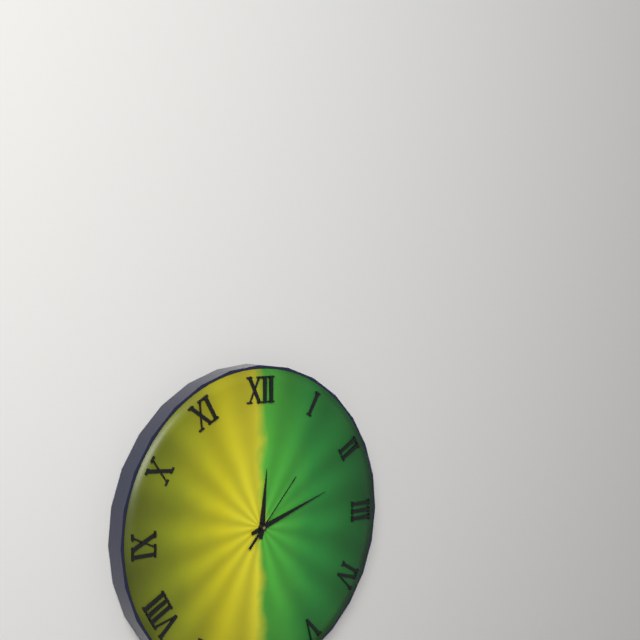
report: 12,12,07
